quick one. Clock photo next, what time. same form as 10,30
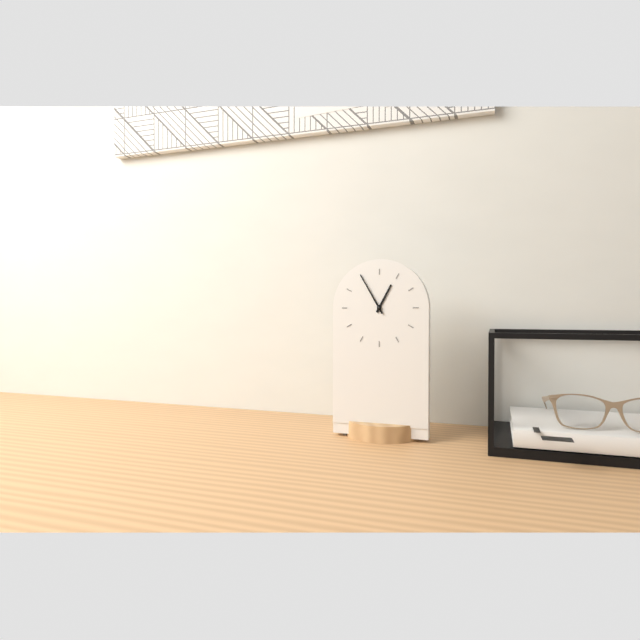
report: 12,55
